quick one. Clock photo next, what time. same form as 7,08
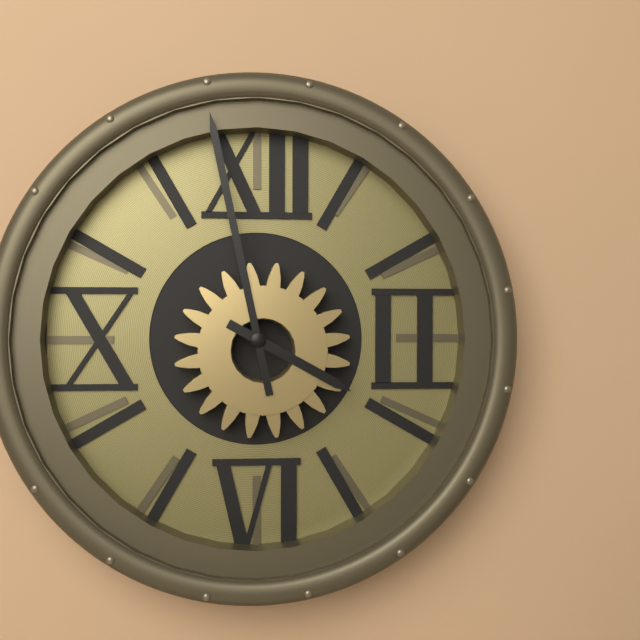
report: 3,58
